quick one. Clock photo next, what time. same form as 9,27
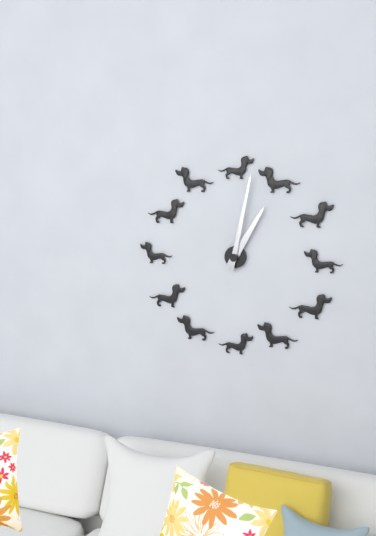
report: 1,02
